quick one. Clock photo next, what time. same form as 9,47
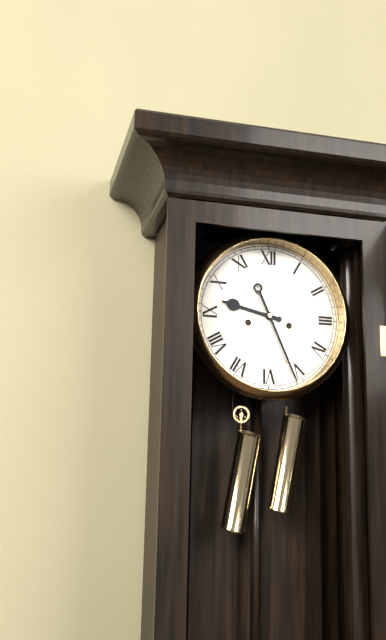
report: 9,26
